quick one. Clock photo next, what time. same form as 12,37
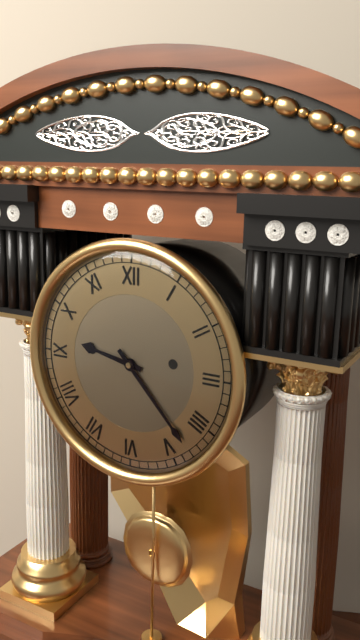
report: 9,23
